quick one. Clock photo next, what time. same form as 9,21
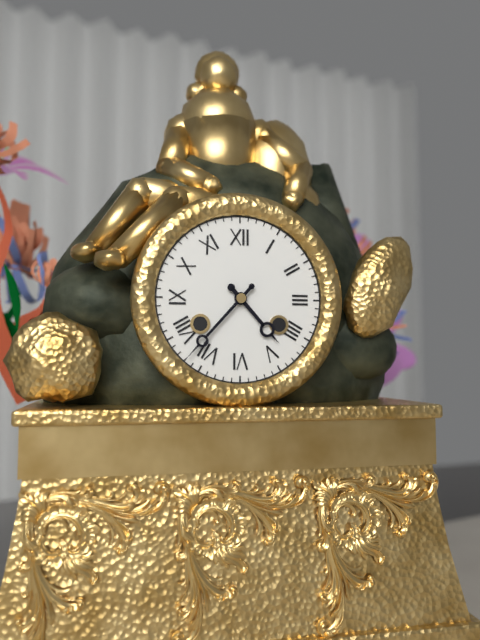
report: 4,37
